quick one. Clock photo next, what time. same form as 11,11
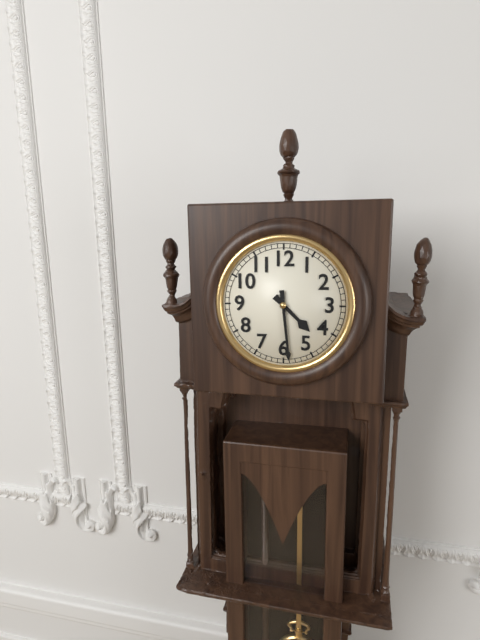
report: 4,29
